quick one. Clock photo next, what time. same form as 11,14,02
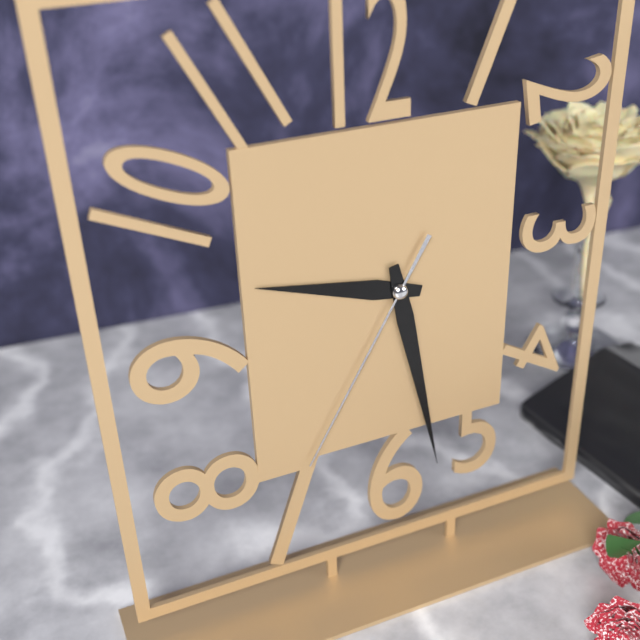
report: 9,28,35
